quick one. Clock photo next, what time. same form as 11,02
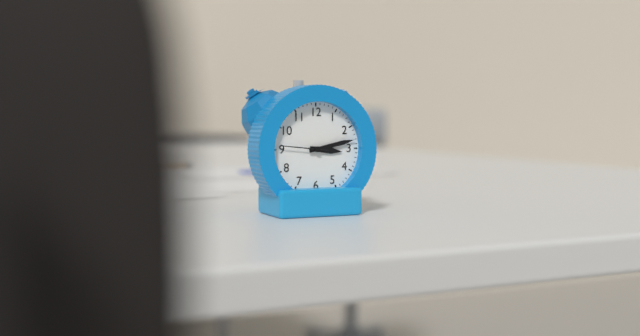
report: 3,13
